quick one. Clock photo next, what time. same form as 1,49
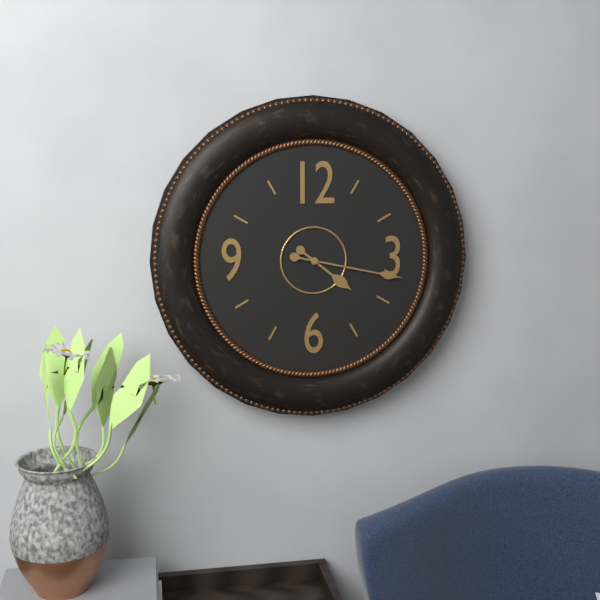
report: 4,17
